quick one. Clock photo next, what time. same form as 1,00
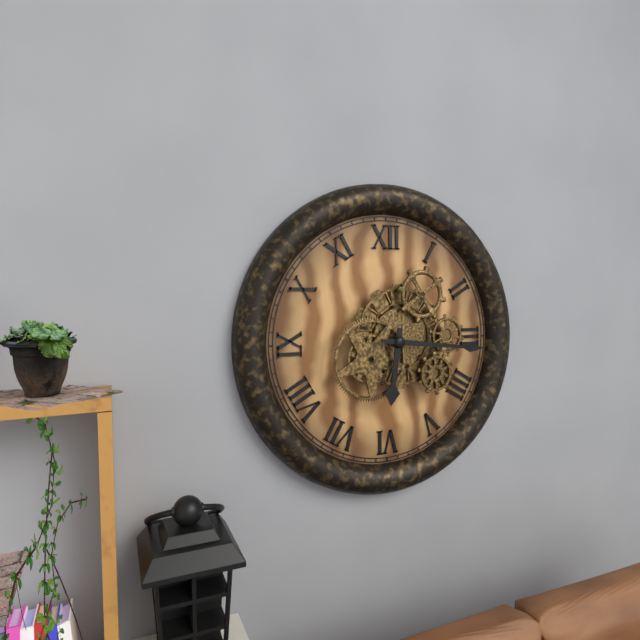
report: 6,16
